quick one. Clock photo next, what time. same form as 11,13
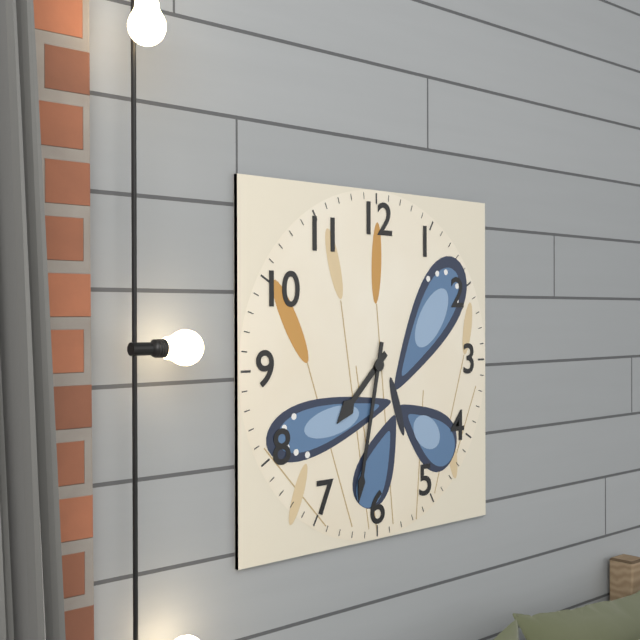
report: 7,32
